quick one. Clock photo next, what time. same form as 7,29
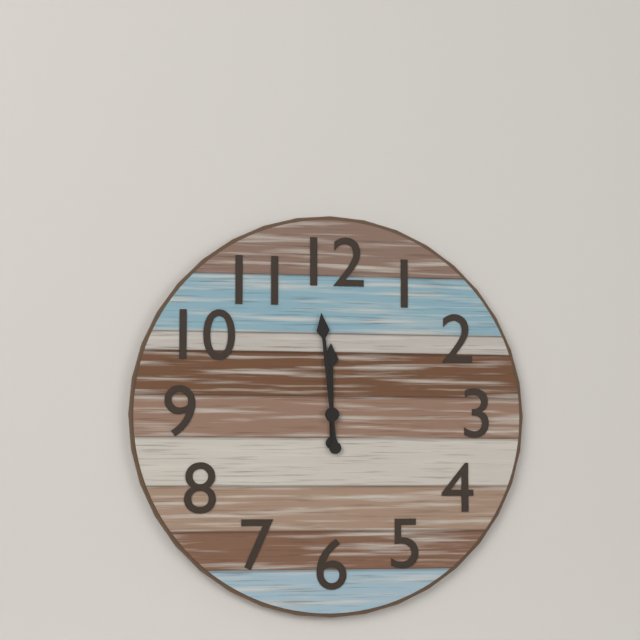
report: 11,59
